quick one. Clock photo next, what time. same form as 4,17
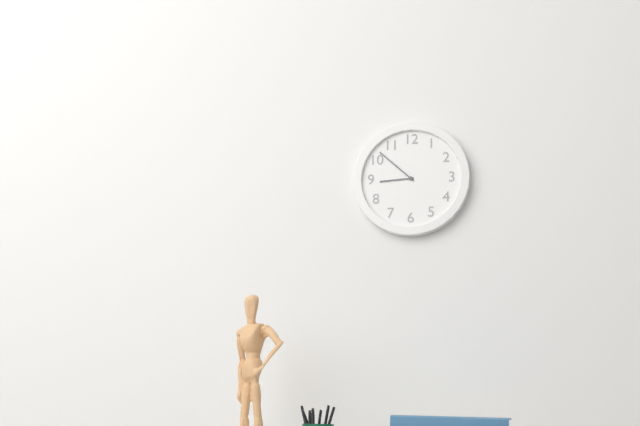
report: 8,52
